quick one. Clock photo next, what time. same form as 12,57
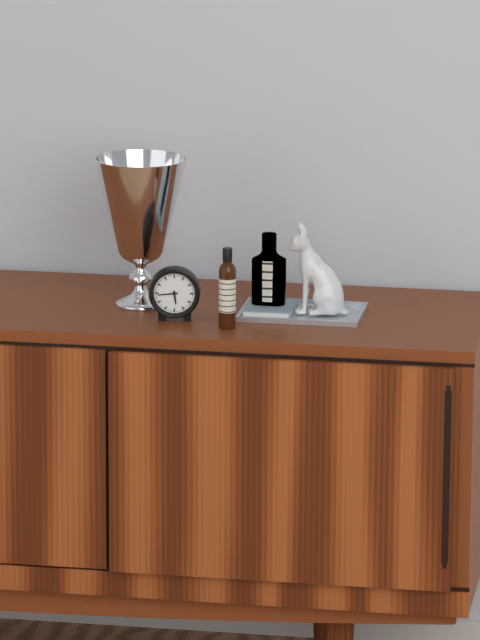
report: 5,44
